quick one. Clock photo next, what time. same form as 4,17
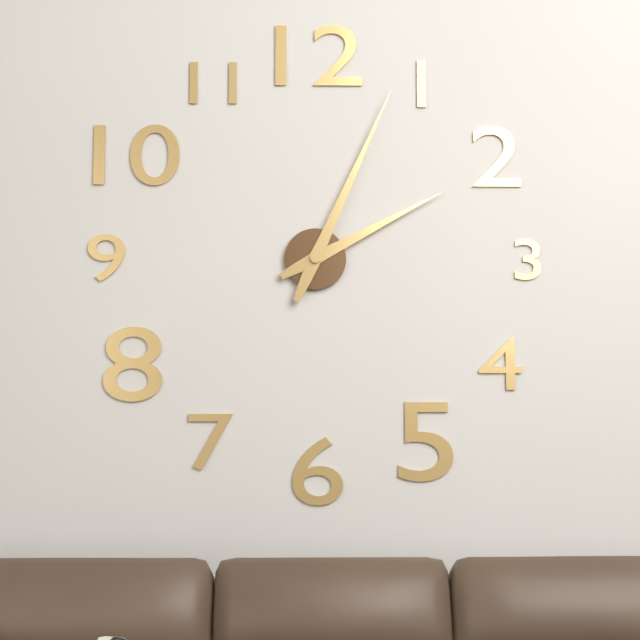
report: 2,04
